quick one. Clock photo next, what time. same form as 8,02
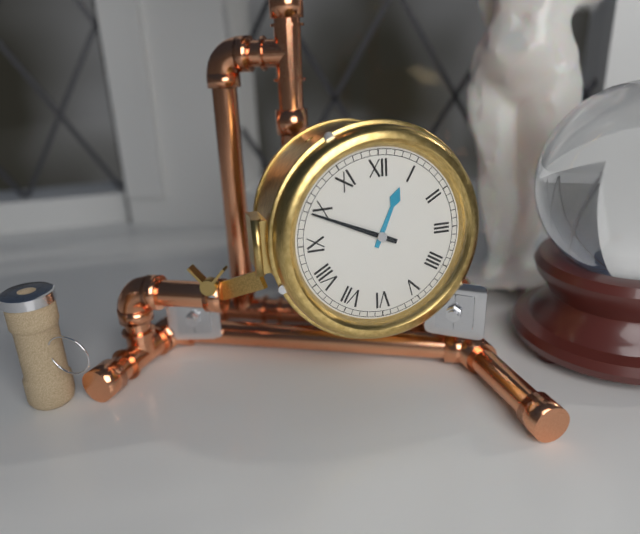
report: 12,49
